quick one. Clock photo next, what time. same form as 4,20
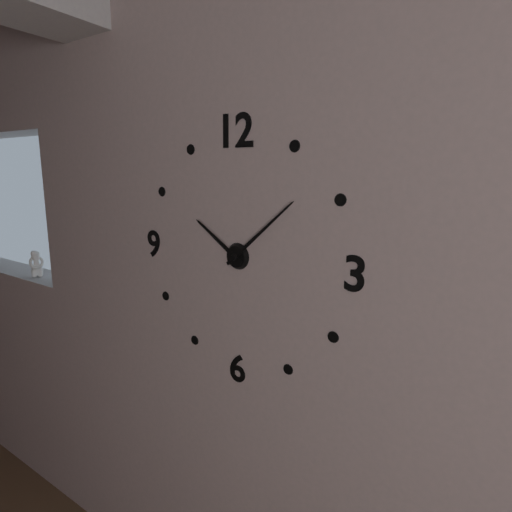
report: 10,08
